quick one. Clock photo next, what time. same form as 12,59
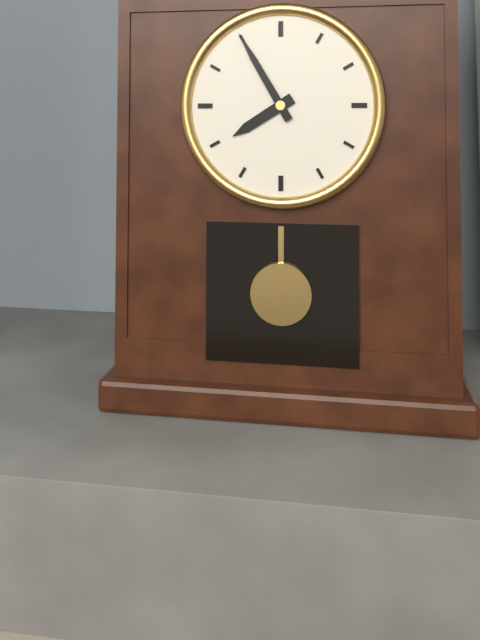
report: 7,55
